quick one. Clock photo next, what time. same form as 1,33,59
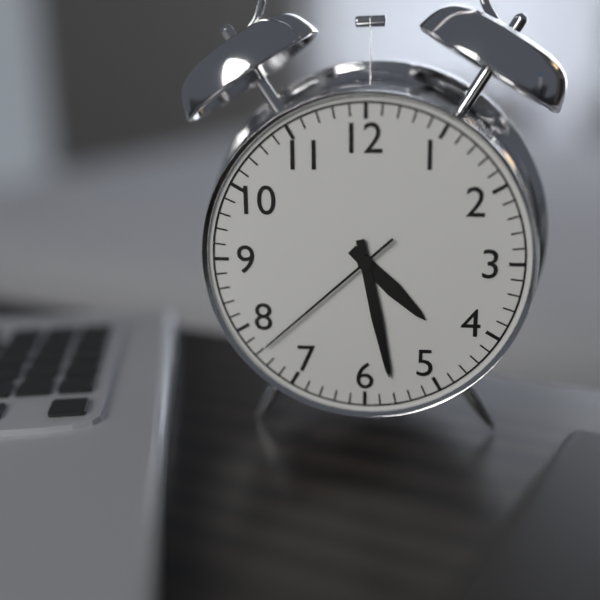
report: 4,28,38
